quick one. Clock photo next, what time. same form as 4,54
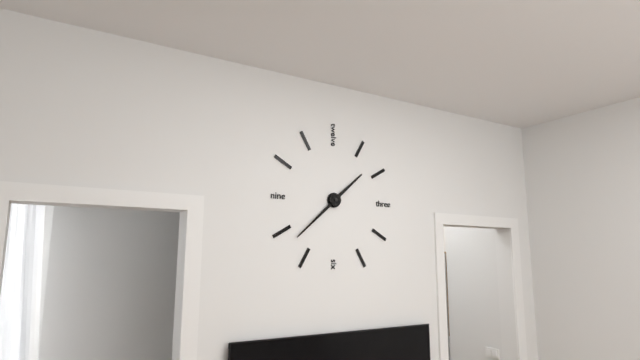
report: 1,38
